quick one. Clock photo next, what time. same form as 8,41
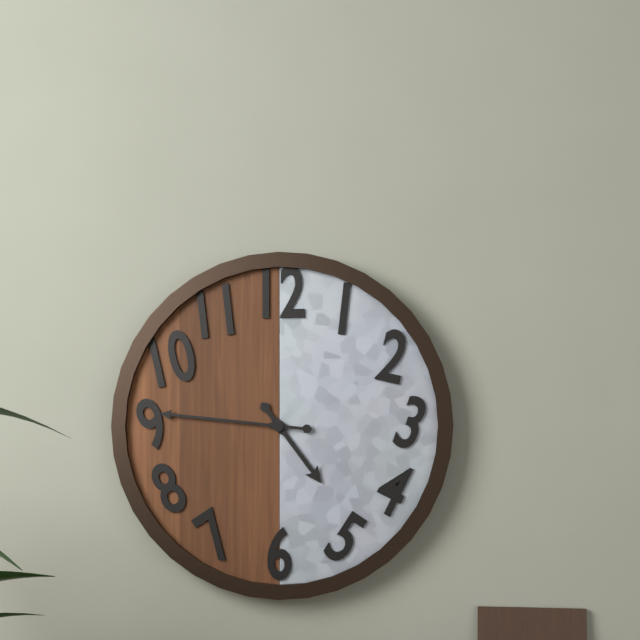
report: 4,46
